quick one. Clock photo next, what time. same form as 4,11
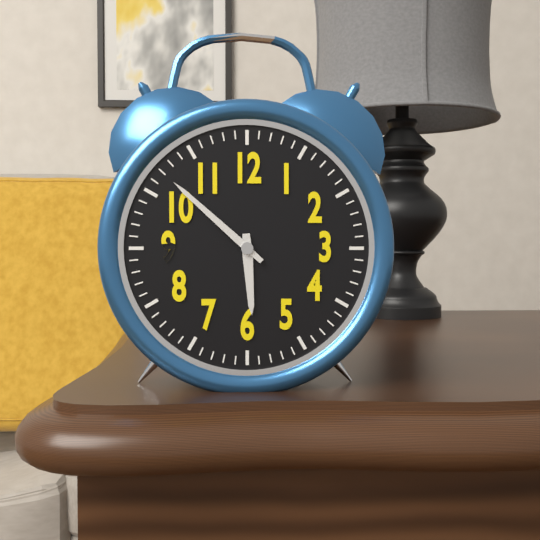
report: 5,52
